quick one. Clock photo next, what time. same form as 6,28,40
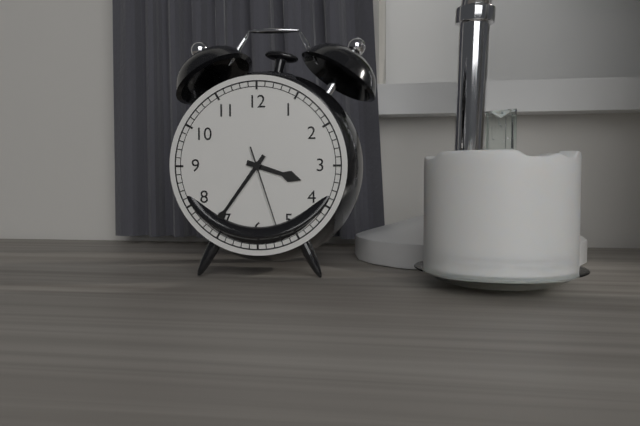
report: 3,36,27
